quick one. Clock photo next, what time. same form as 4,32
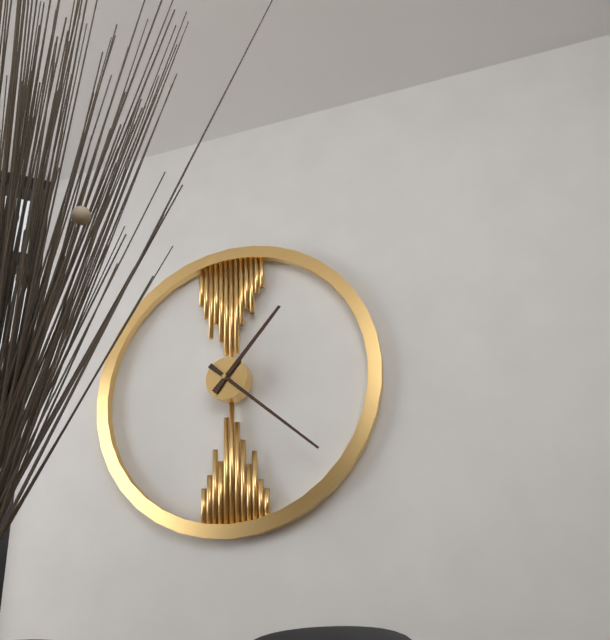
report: 1,22
